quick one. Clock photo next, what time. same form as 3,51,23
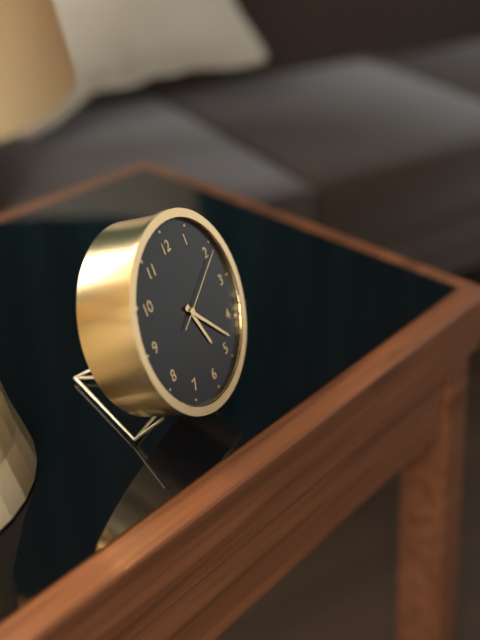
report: 5,23,11
